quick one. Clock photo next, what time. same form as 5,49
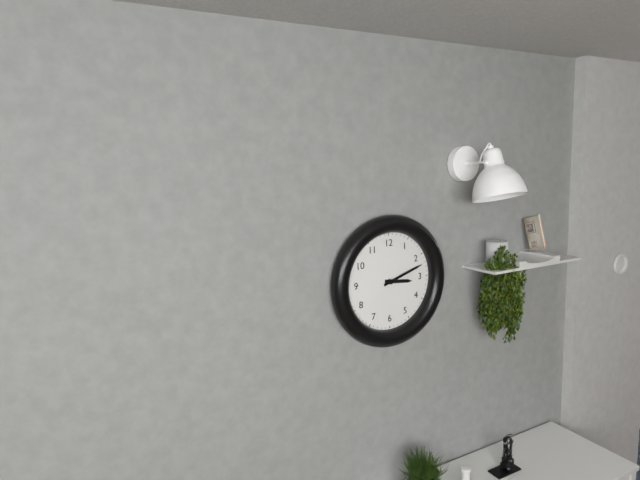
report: 3,12
